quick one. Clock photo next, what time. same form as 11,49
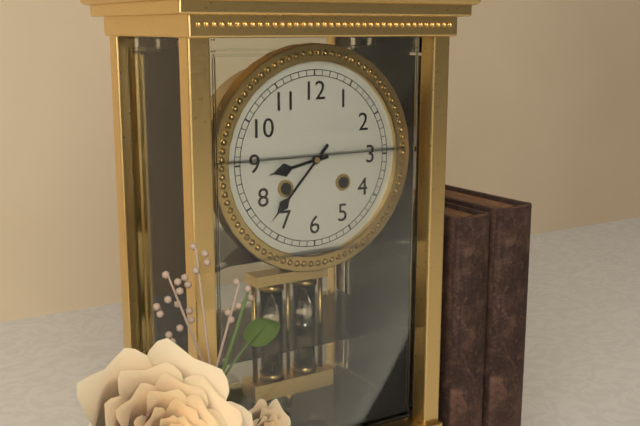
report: 8,37
